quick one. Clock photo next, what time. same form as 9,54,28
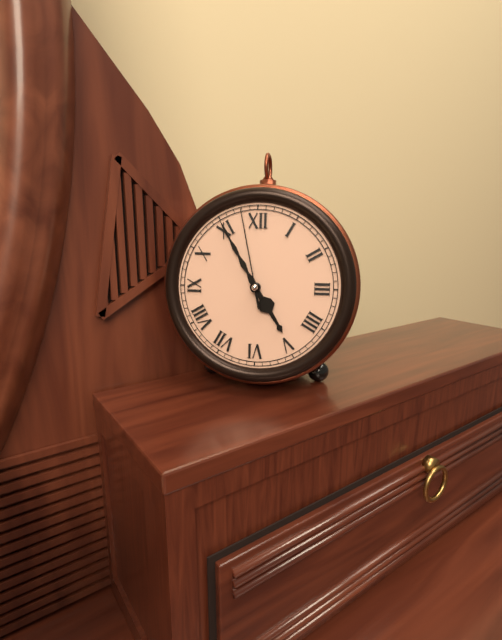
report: 4,55,58
